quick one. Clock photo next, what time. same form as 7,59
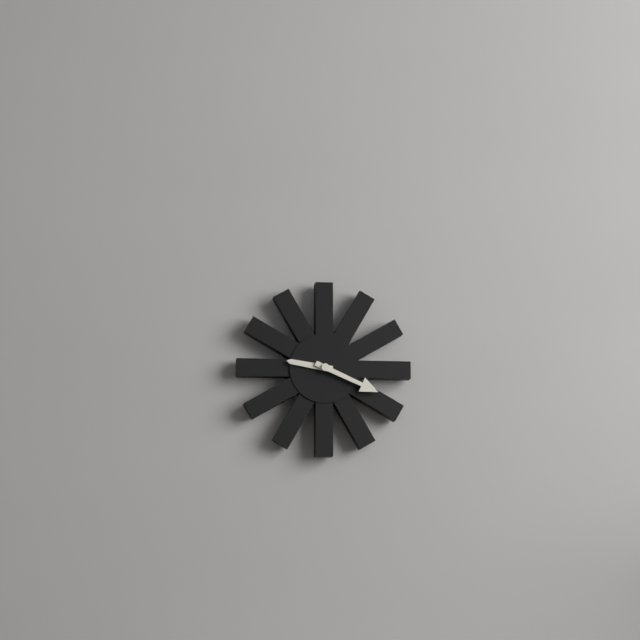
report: 9,19
